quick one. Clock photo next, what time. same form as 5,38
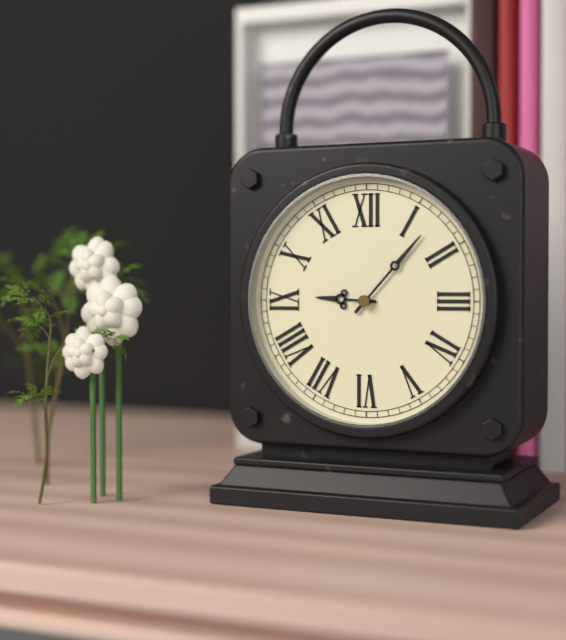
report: 9,07
